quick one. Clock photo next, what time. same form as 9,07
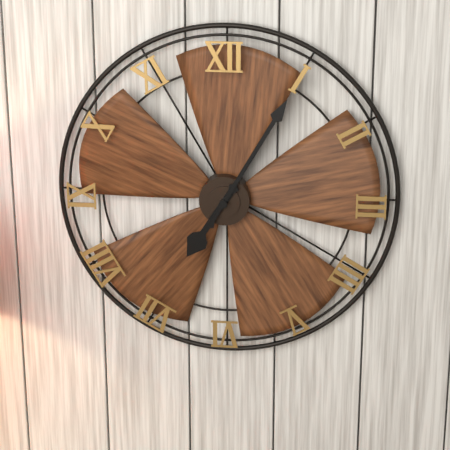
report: 7,05
